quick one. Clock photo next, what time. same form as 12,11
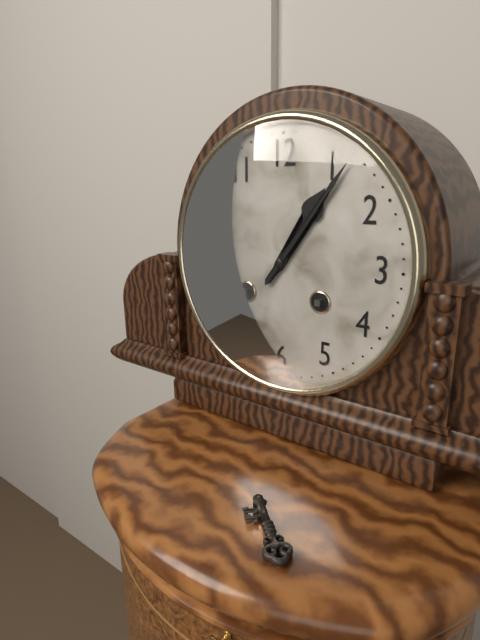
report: 1,06
